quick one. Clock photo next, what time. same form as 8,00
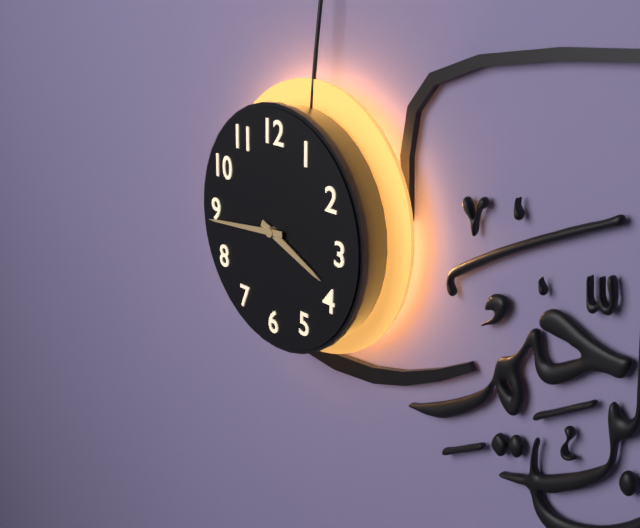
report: 3,44
